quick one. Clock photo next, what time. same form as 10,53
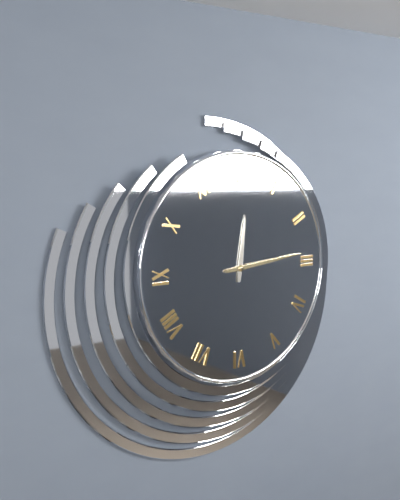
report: 12,14
